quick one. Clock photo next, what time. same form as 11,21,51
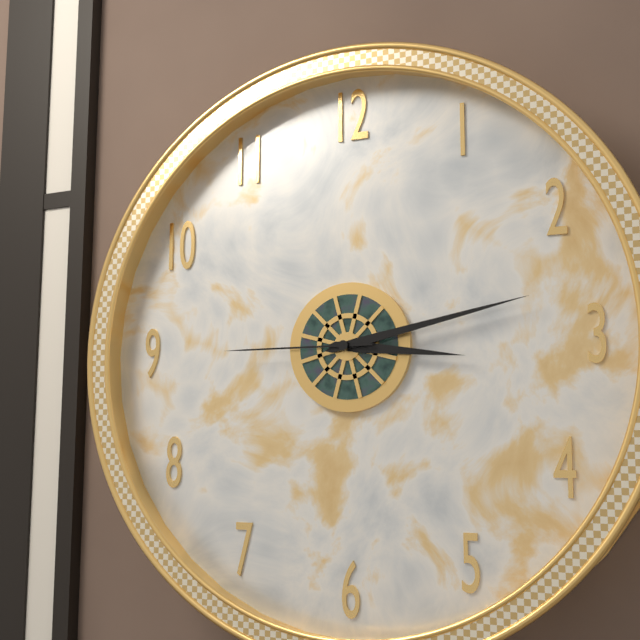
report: 3,13,45
